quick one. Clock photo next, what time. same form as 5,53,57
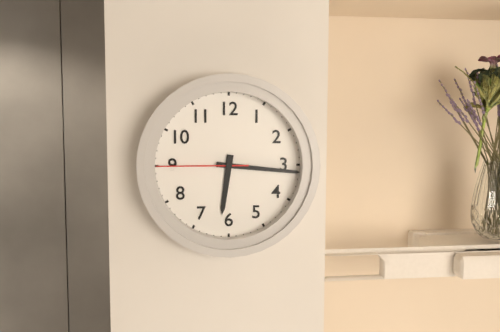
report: 6,16,45
